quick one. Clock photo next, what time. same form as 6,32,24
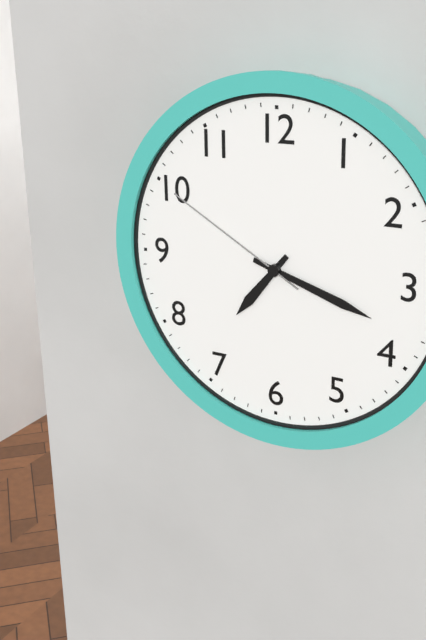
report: 7,18,50
